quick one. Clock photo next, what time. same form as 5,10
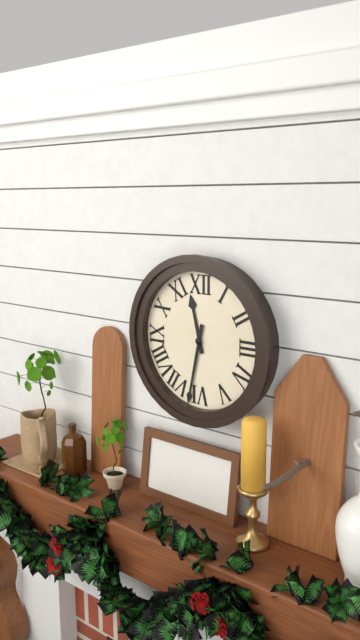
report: 11,32
